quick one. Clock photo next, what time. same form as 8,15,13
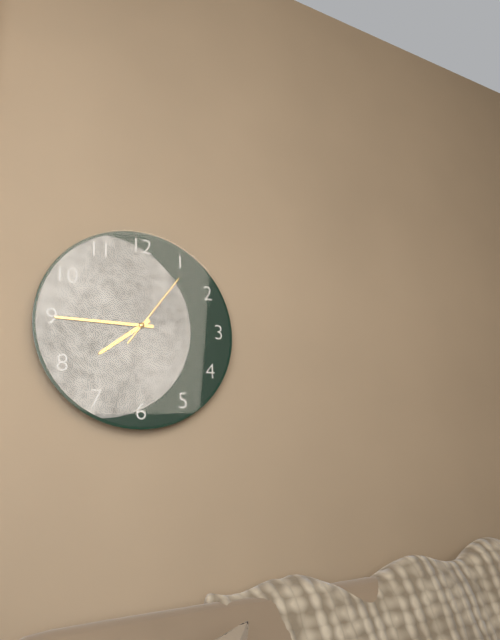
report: 7,45,06
